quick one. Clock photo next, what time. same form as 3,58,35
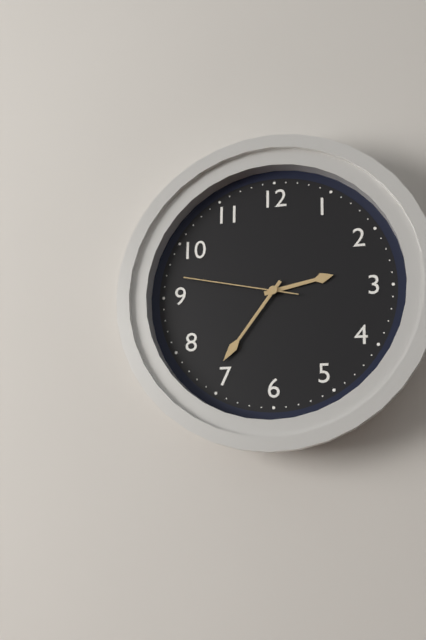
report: 2,36,47
